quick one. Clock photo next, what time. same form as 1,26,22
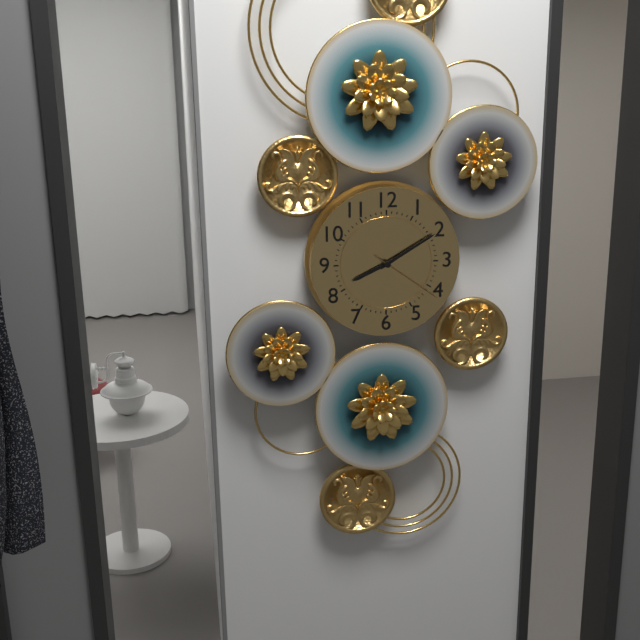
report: 8,10,21
